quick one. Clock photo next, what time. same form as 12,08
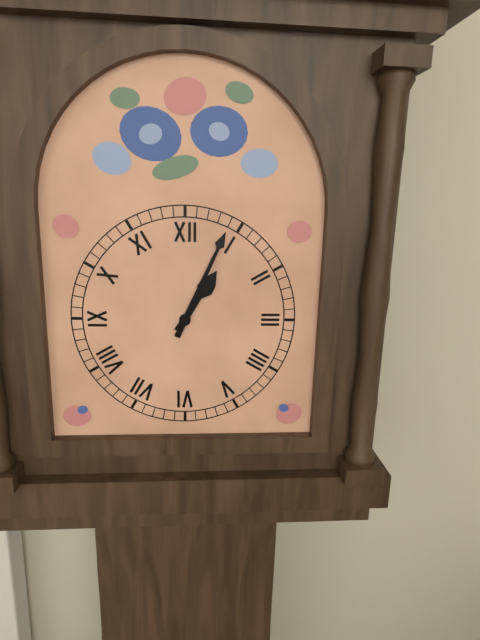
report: 1,04
